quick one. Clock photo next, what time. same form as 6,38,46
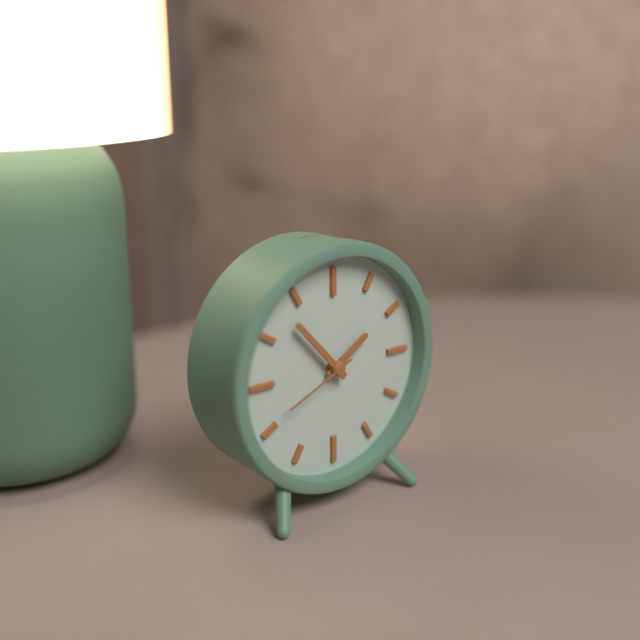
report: 1,53,41
